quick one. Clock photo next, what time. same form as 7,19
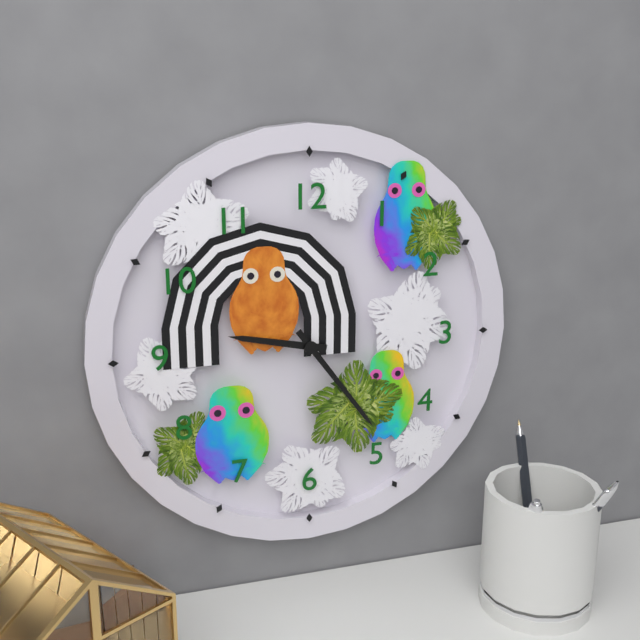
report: 9,24
